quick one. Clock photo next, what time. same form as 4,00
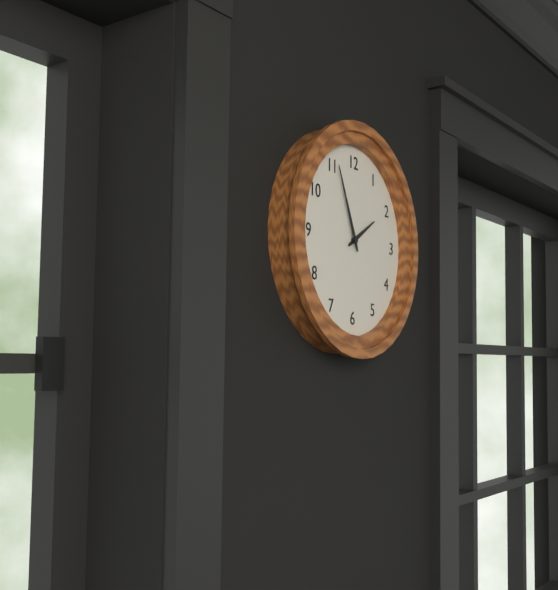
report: 1,56
